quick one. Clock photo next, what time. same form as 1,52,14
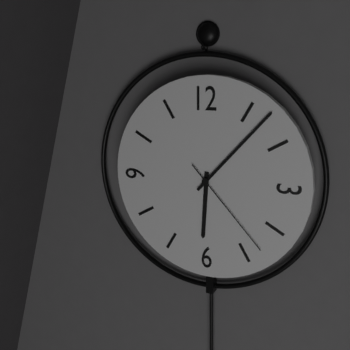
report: 6,07,23
